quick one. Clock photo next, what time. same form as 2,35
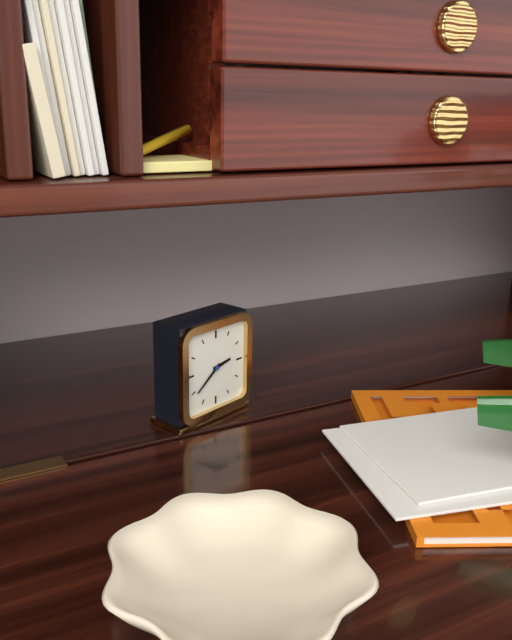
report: 2,39
